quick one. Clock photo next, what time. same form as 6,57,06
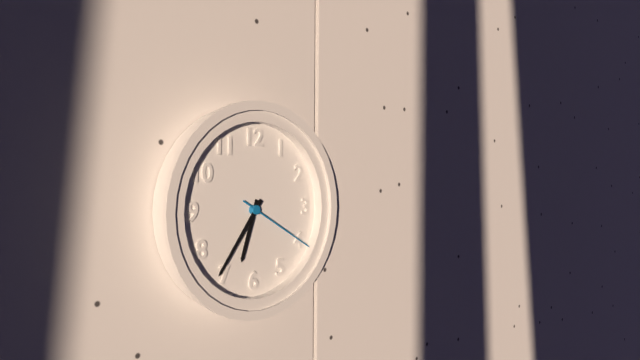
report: 6,36,20
